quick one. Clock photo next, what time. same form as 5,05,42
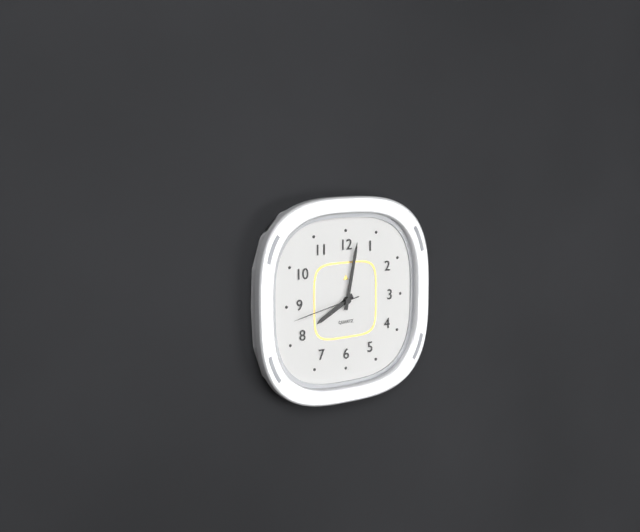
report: 8,02,43
